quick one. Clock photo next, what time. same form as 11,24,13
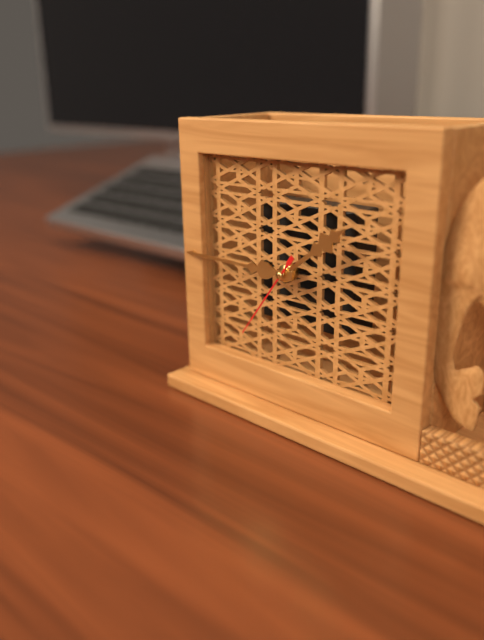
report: 1,45,36
